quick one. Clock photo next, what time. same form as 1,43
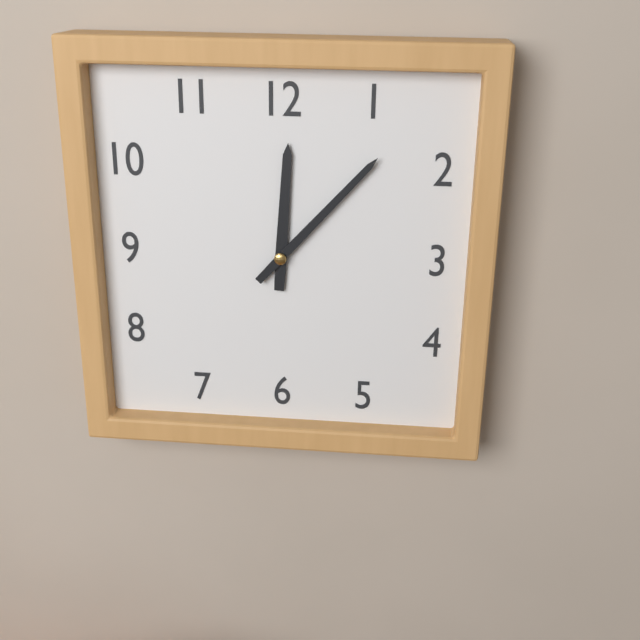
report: 12,07
